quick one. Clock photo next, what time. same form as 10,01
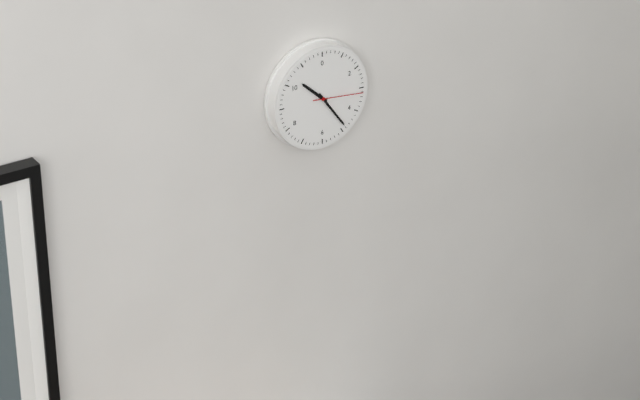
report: 10,24
